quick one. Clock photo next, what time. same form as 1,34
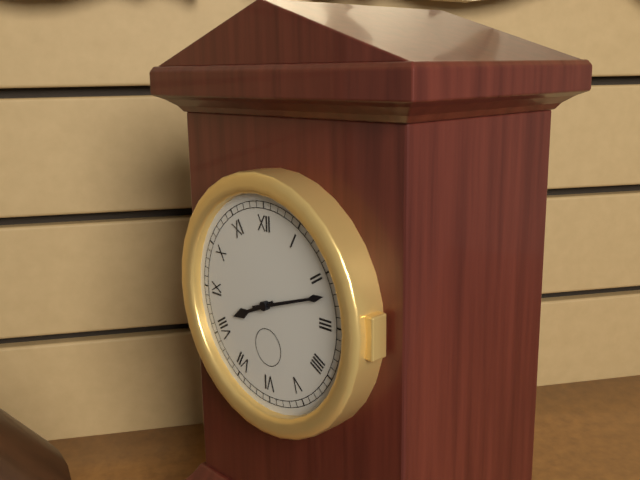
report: 8,12
